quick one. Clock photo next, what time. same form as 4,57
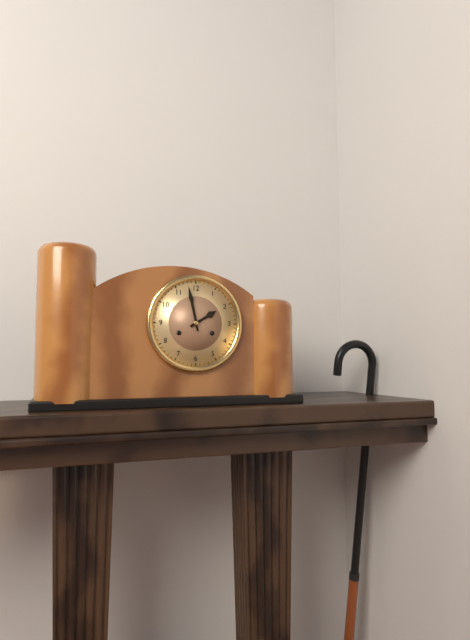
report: 1,58
